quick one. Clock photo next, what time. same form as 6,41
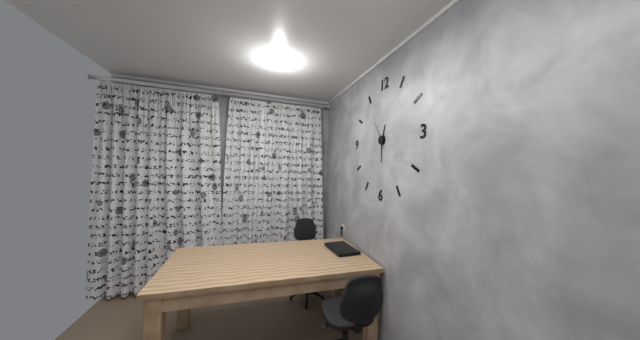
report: 12,30
